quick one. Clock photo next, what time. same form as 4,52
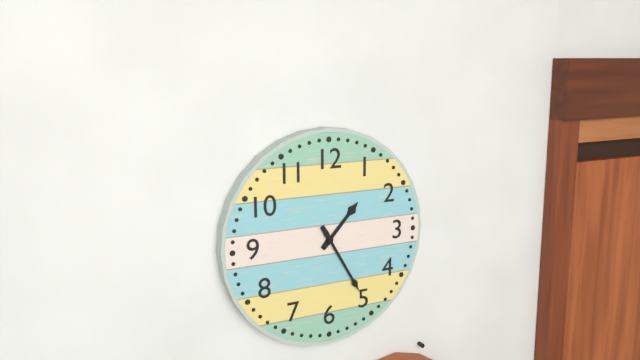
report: 1,25
